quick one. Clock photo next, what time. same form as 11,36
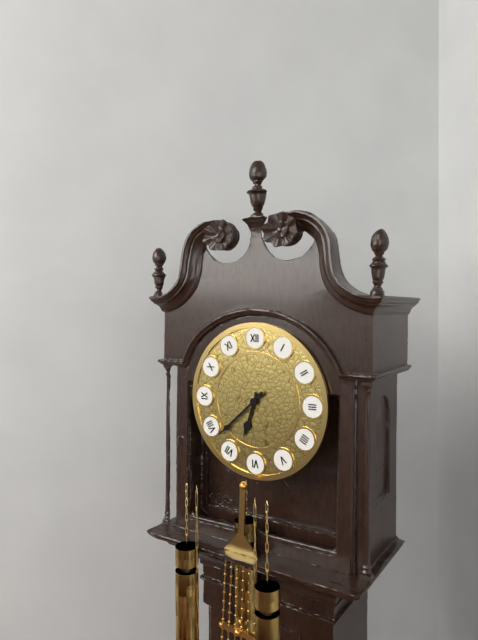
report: 6,38
